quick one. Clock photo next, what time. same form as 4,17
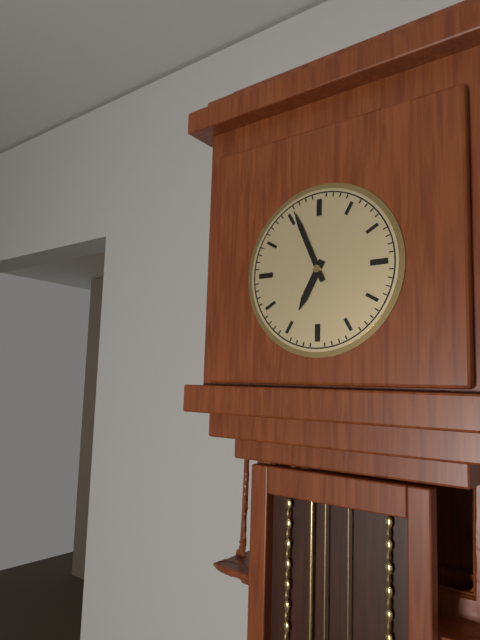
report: 6,56
